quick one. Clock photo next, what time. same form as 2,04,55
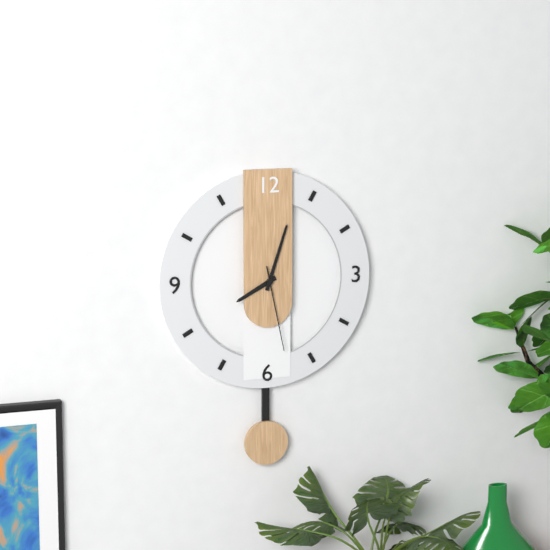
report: 8,03,28
